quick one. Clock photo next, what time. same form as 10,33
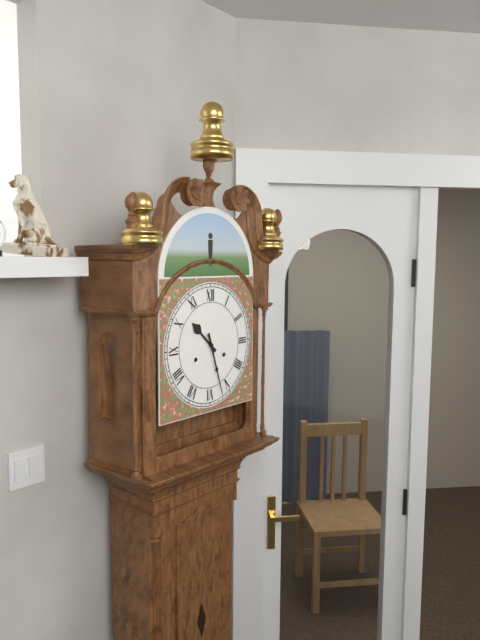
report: 10,27
